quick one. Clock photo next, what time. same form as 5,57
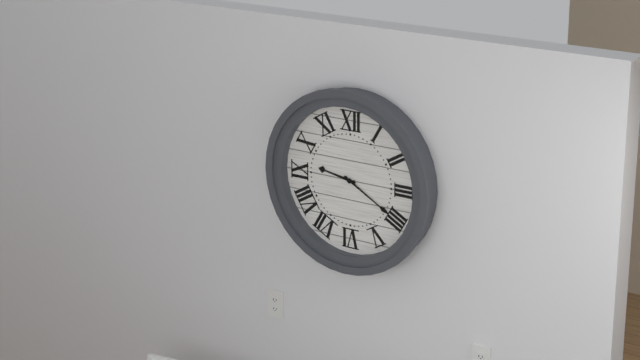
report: 9,20
